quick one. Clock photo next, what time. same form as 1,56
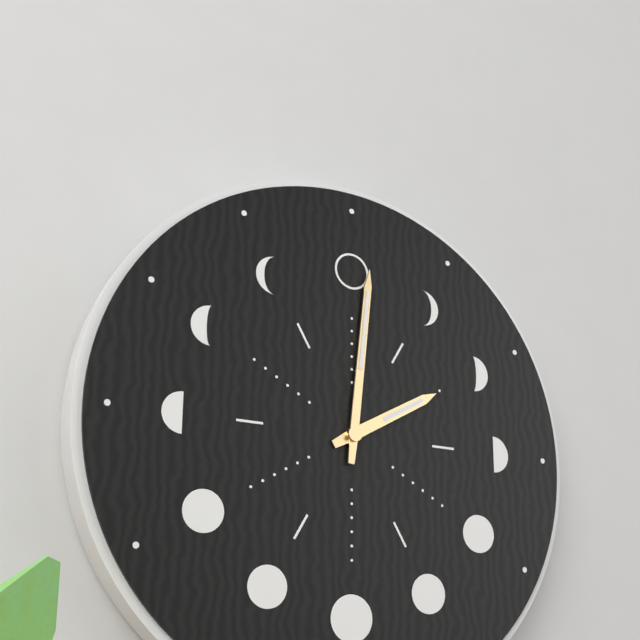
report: 2,01
